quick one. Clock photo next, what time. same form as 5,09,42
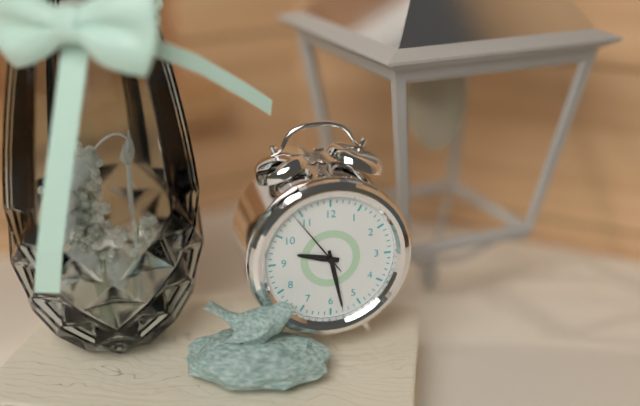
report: 9,28,54
